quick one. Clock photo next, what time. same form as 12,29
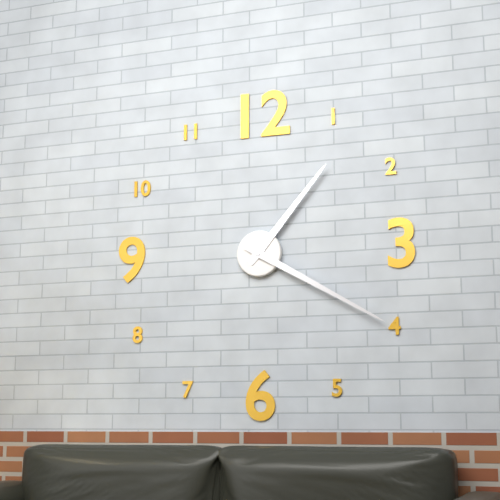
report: 1,20
